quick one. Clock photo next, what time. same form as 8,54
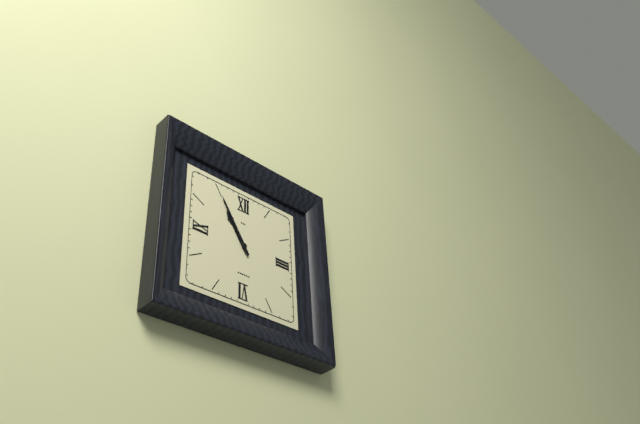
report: 10,55
